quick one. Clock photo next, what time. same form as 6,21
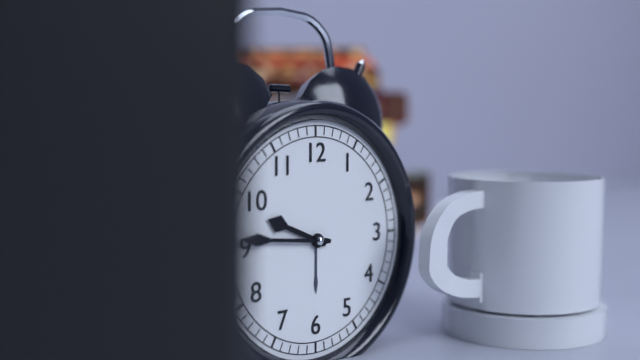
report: 9,46
